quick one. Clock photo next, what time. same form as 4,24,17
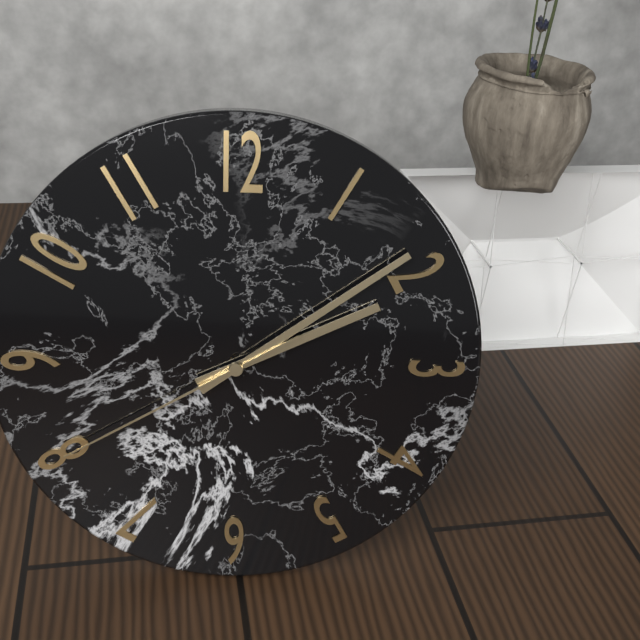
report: 2,09,40
